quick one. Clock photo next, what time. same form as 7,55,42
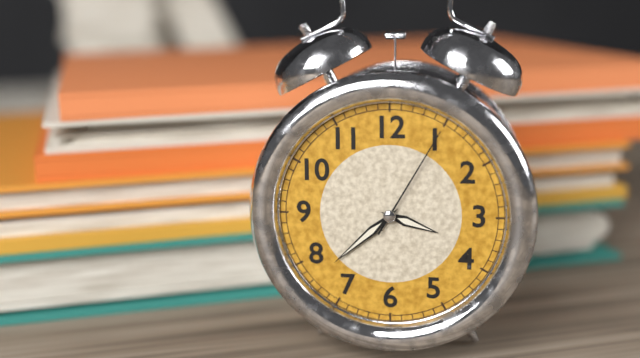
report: 3,38,05
